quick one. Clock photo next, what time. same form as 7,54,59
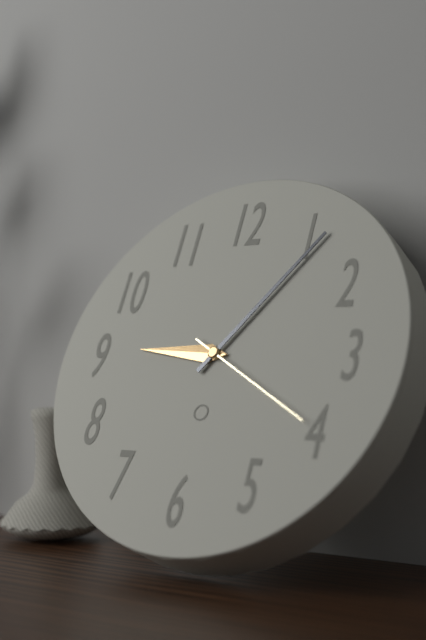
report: 9,06,20
